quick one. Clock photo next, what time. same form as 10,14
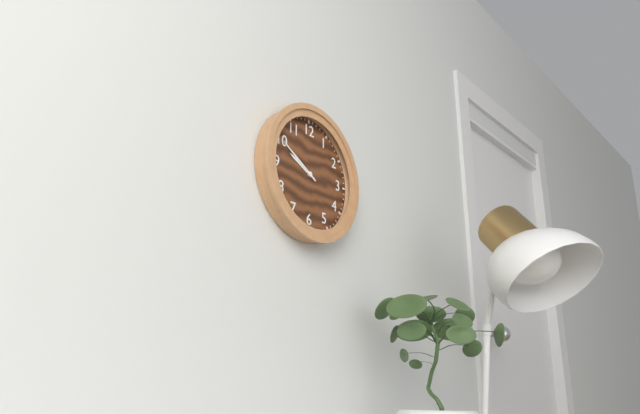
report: 9,50
